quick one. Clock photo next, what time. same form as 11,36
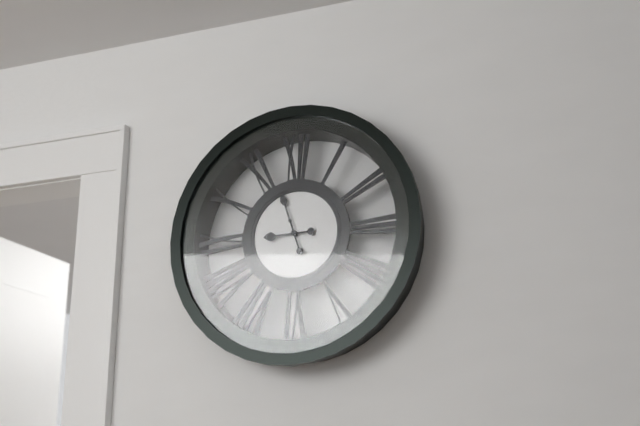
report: 8,57
